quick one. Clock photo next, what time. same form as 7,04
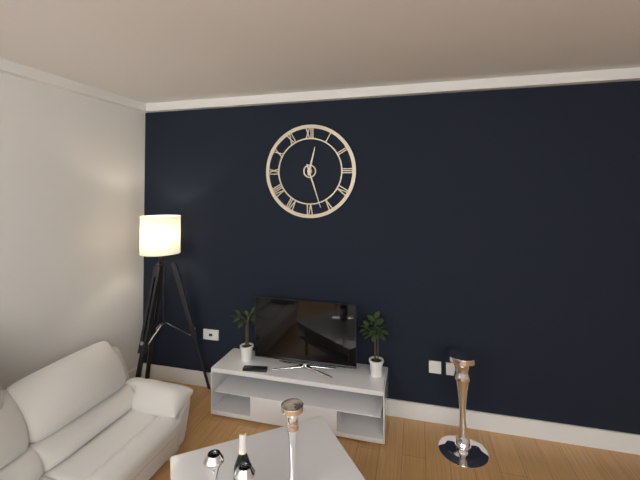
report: 12,27
